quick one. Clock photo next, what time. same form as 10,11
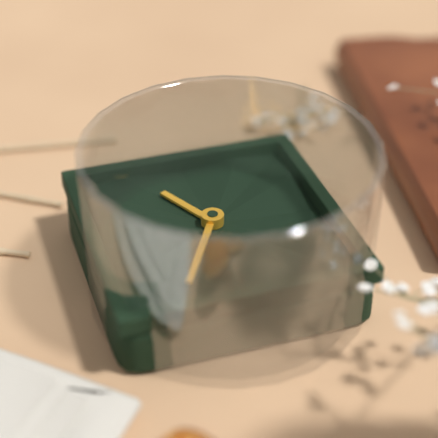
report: 5,05
